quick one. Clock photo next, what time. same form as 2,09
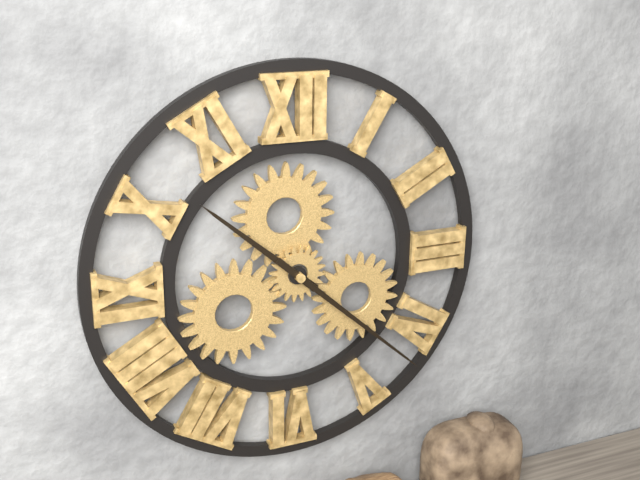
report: 10,22
